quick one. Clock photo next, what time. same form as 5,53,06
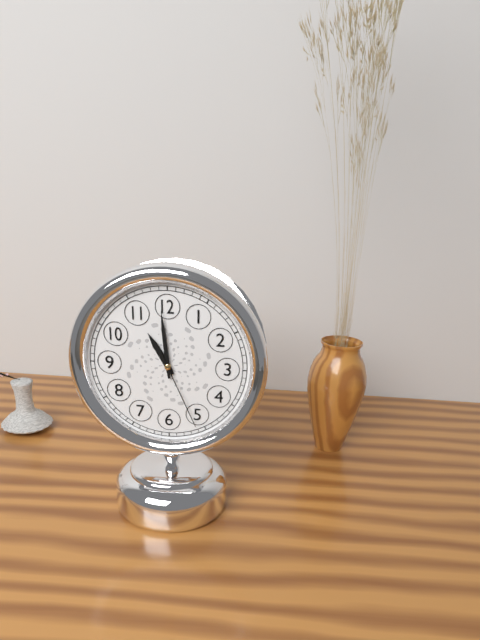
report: 10,59,26
